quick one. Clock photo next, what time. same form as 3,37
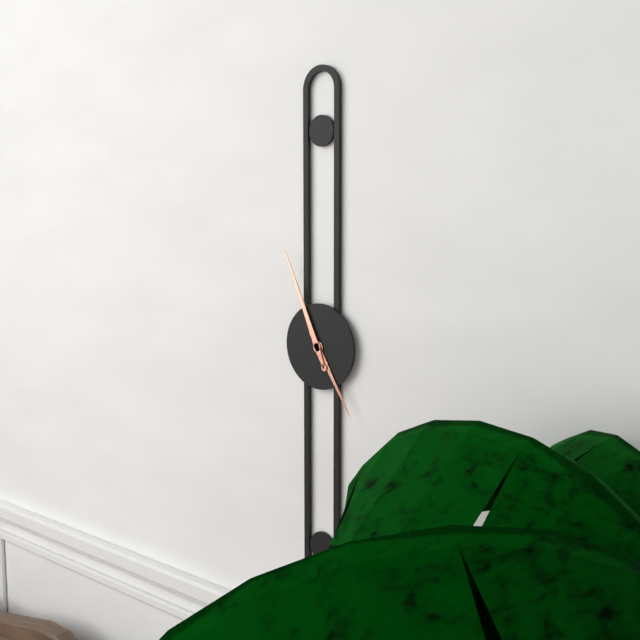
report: 4,56
